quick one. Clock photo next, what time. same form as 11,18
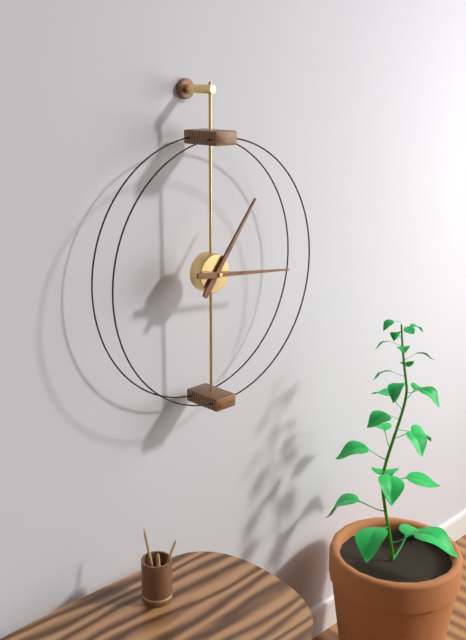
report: 1,16
